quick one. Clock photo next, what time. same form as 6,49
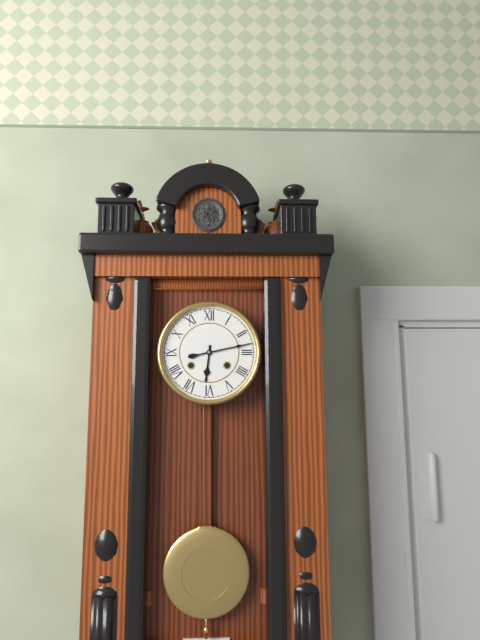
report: 6,13
